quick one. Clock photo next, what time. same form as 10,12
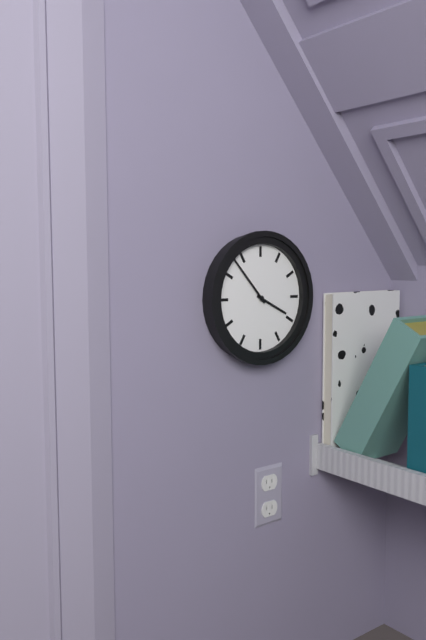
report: 3,53
